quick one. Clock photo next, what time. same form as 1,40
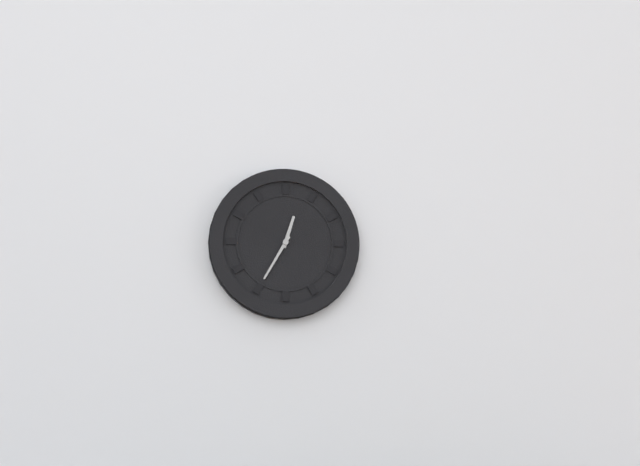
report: 12,35
